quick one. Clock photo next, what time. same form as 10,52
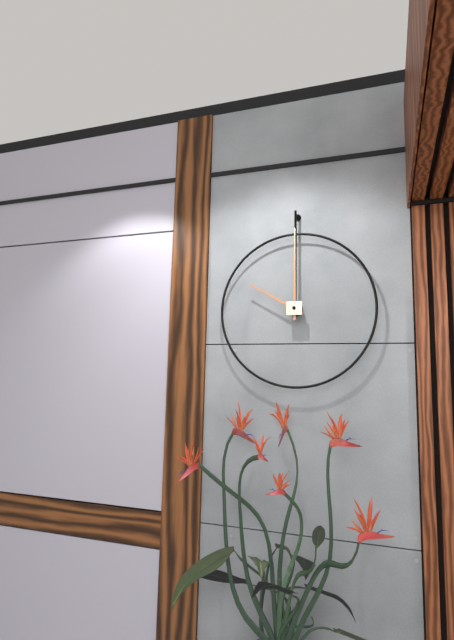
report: 10,00
